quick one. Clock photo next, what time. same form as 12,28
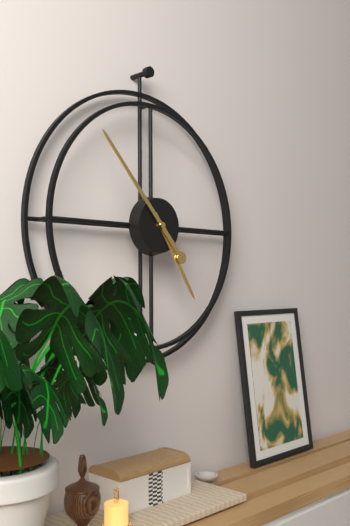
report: 4,53
